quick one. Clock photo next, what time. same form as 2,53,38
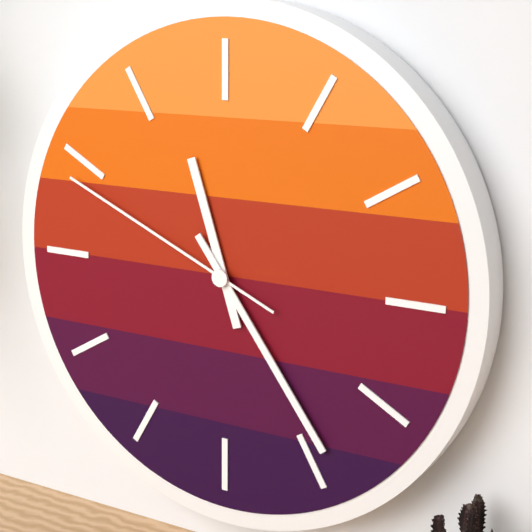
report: 11,24,49
